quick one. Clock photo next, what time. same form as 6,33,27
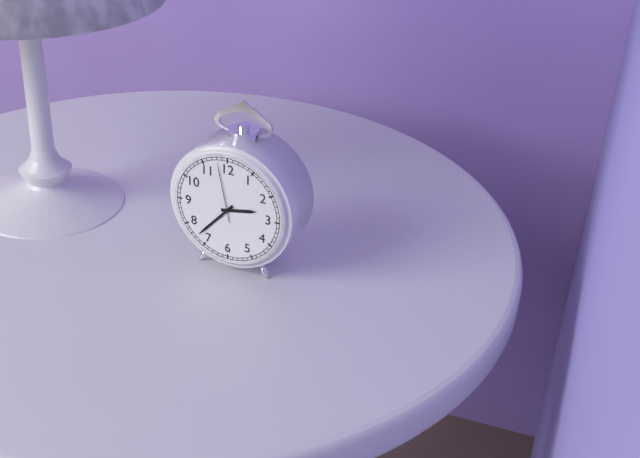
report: 2,37,58
